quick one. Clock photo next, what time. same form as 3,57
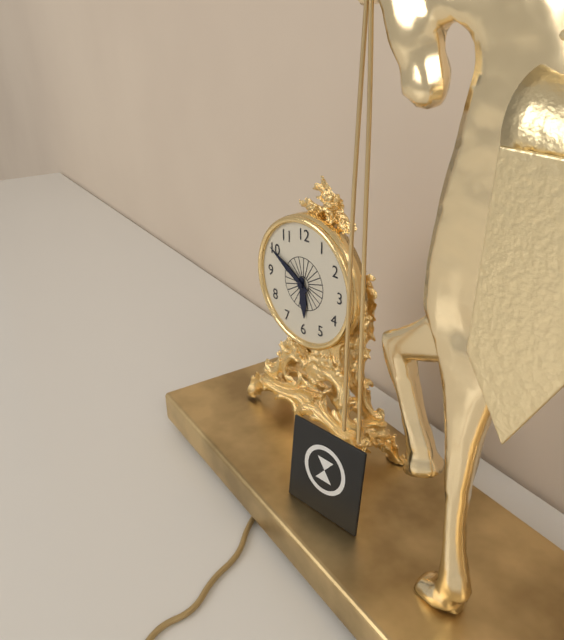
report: 5,50
